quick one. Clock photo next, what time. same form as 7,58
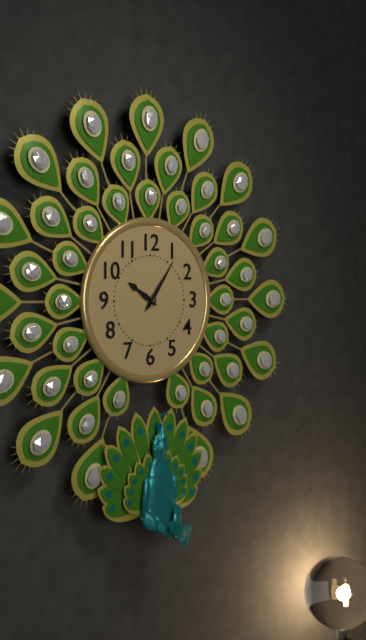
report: 10,06
